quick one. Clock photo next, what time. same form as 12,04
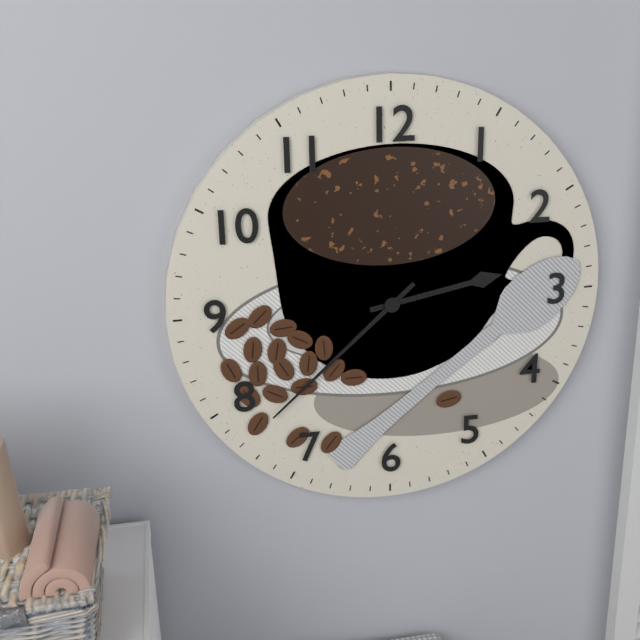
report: 2,38
